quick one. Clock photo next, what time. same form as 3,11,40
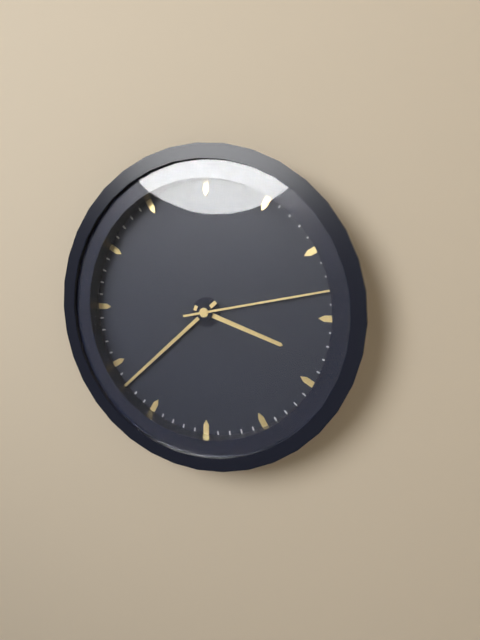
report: 3,38,13
